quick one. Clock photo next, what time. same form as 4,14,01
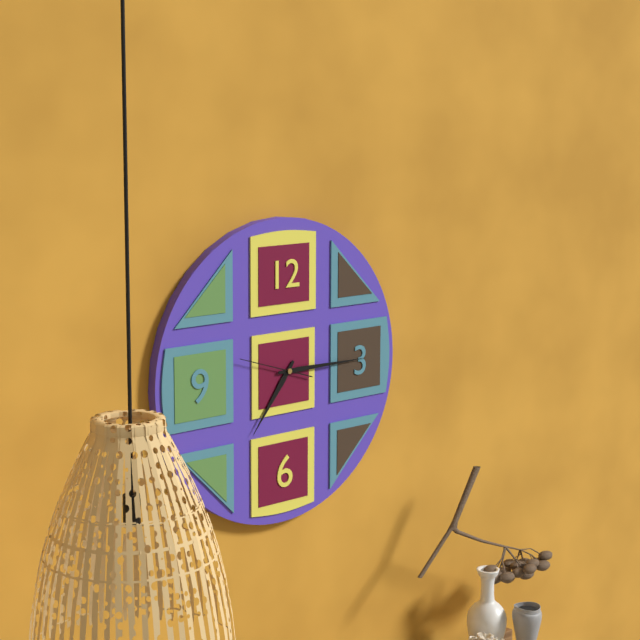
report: 7,15,48
